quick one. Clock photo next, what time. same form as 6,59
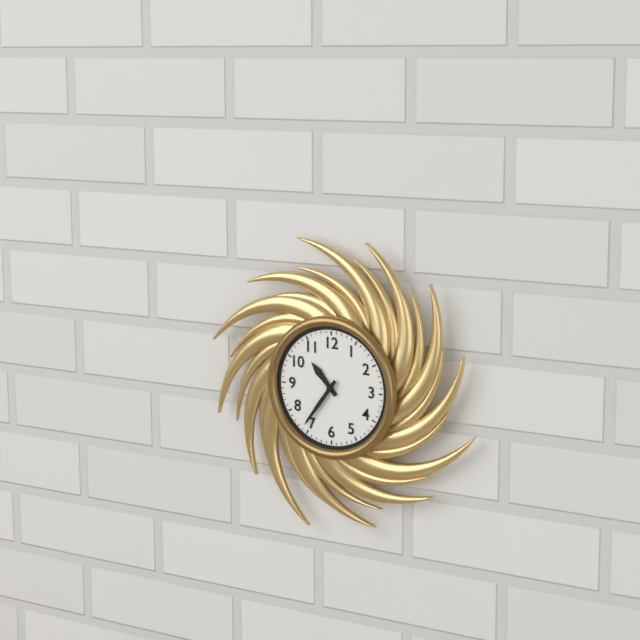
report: 10,36
